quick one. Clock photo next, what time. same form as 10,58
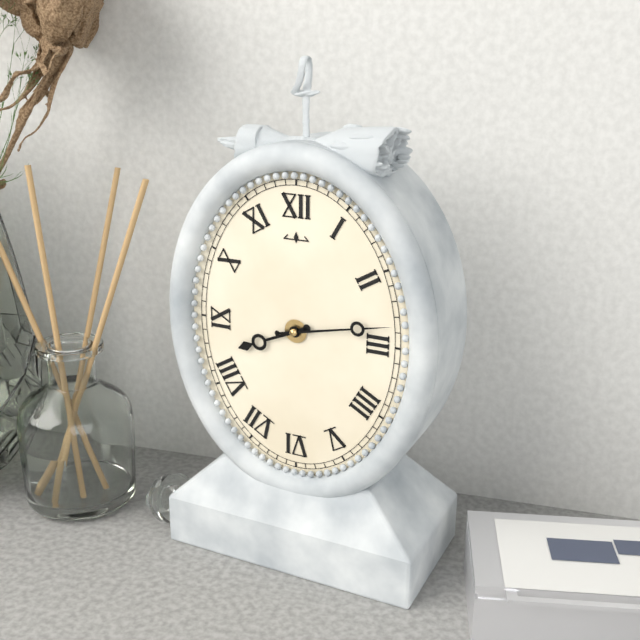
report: 8,13
